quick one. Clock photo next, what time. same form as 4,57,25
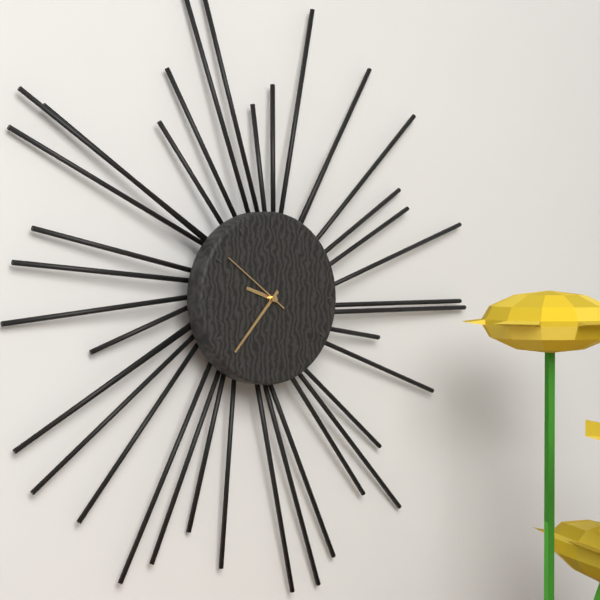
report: 9,37,51
